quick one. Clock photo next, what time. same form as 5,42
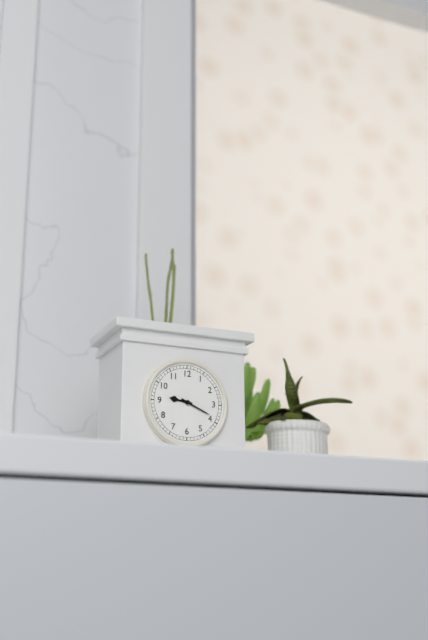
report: 9,19
